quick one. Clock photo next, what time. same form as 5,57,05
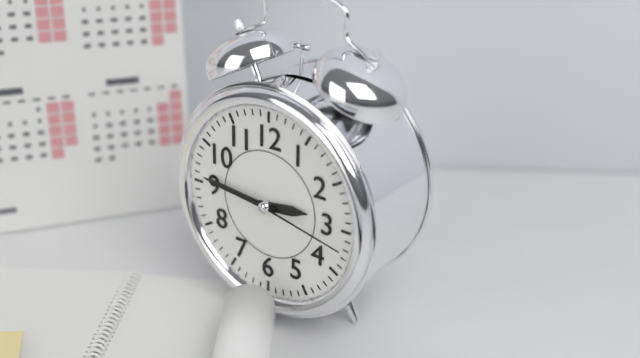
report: 2,46,17
